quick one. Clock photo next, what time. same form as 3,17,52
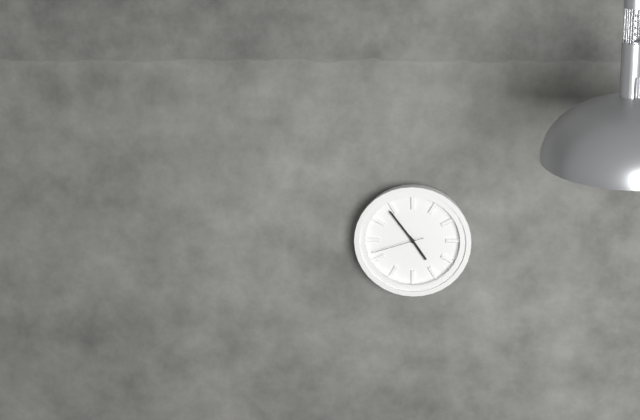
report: 4,54,42
